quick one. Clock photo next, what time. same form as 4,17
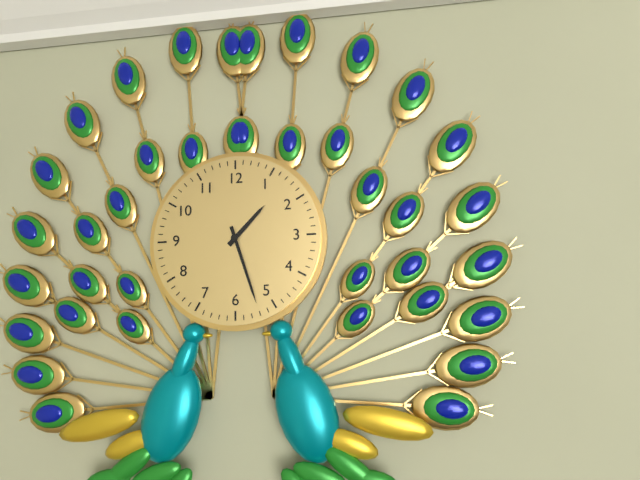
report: 1,27
